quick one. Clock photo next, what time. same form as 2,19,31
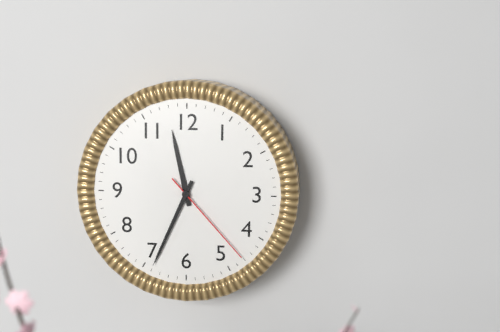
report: 11,34,23
